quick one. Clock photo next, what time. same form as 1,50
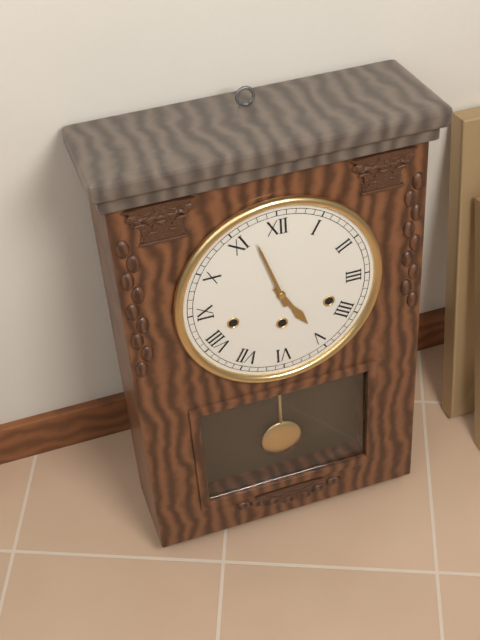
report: 4,57
